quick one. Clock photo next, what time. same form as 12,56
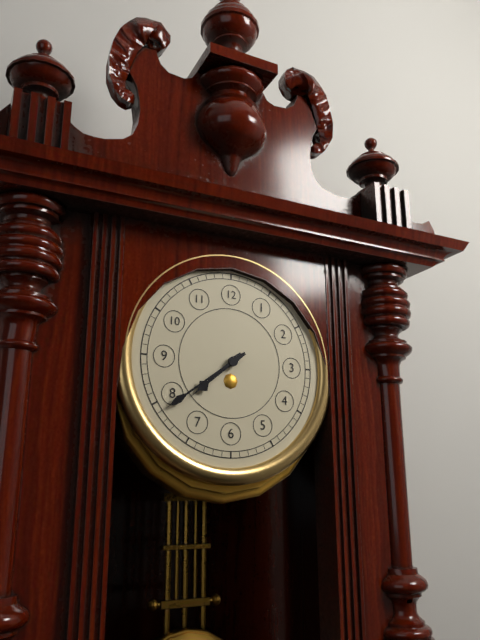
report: 7,39
